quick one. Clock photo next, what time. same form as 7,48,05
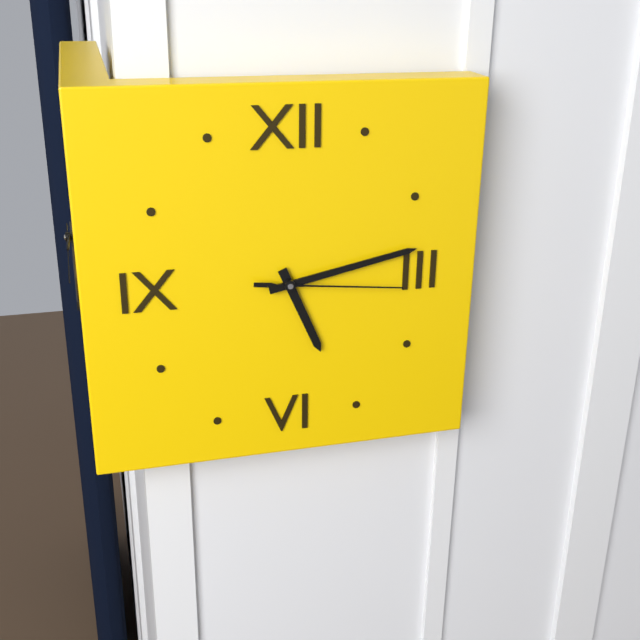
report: 5,13,16
